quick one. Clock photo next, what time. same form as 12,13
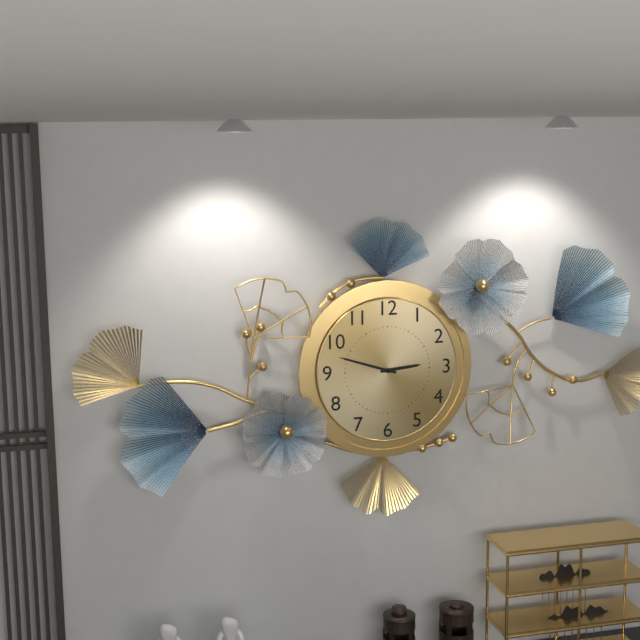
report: 2,48
